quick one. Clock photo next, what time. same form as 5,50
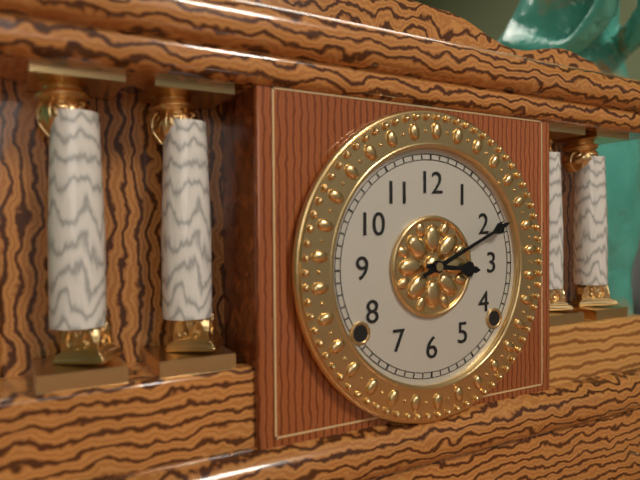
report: 3,11
